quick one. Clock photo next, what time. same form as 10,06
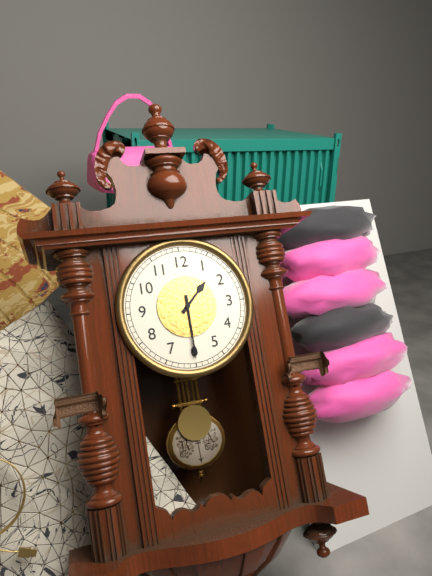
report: 1,30
